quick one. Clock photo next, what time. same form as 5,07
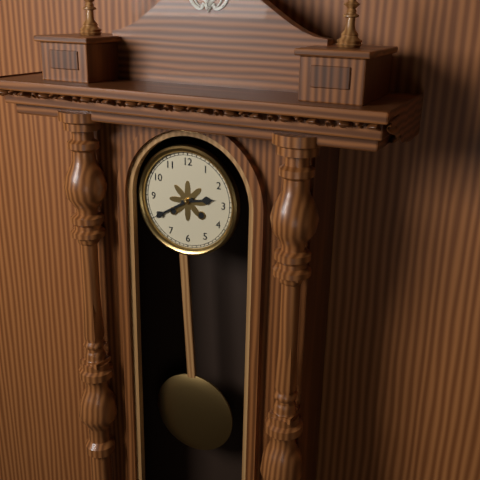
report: 2,40
